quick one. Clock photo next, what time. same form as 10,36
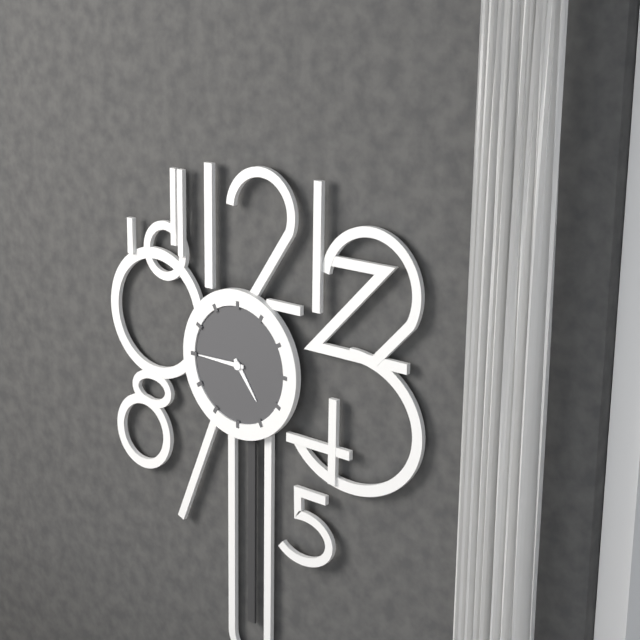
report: 4,45
